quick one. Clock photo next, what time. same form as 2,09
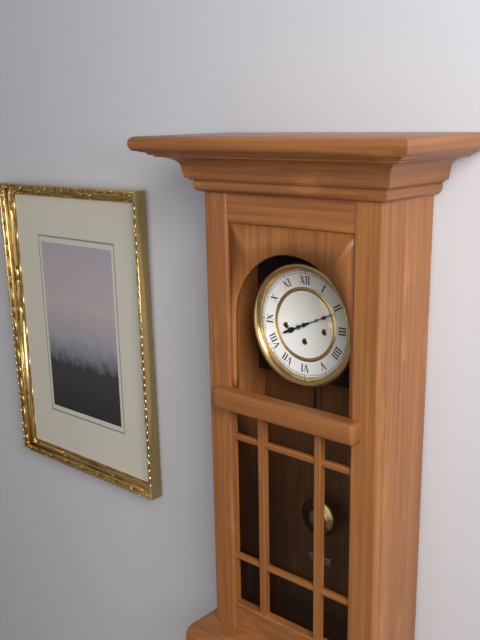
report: 8,11
